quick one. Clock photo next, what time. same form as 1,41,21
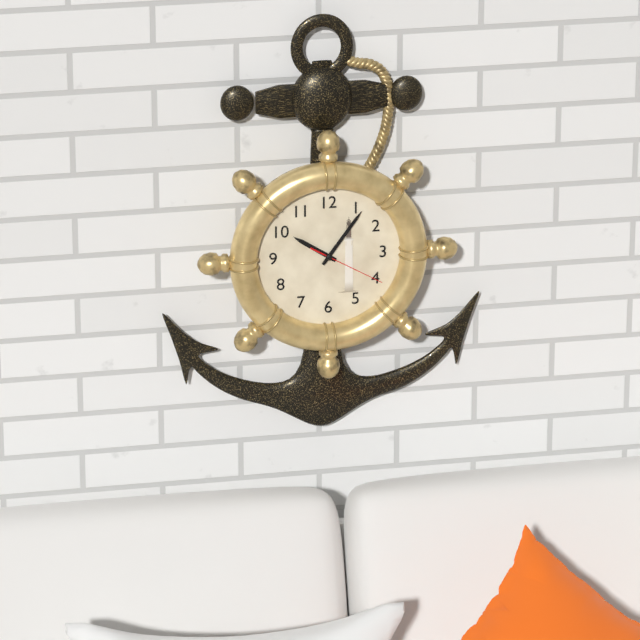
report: 10,06,20
